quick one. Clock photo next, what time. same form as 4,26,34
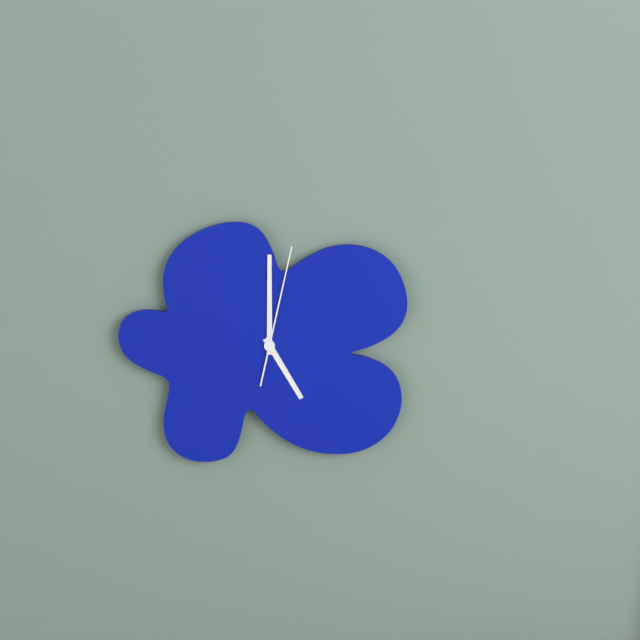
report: 5,00,02
